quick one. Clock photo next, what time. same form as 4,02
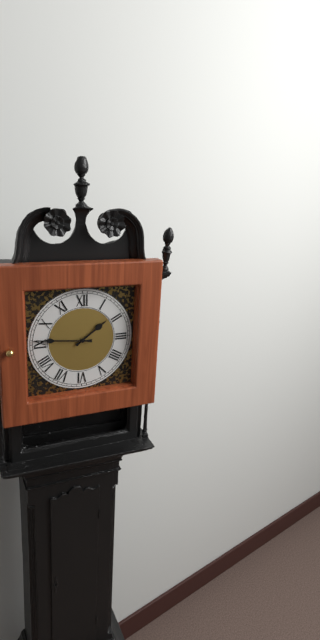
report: 1,46
